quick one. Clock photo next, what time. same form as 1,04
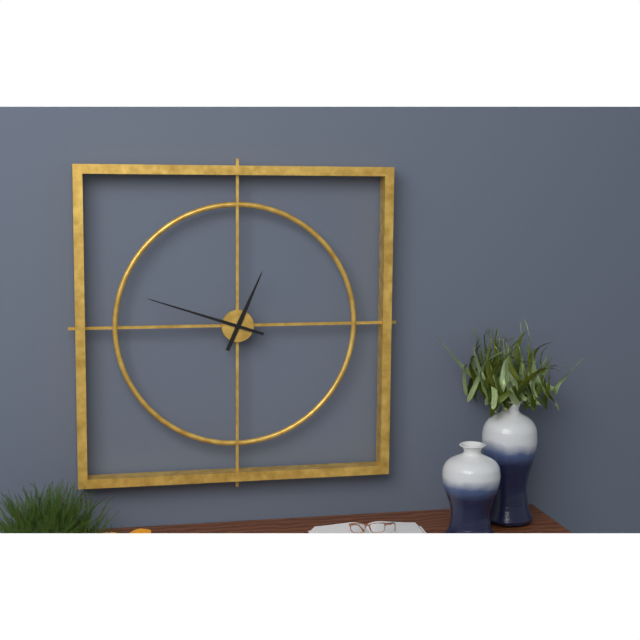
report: 12,48
